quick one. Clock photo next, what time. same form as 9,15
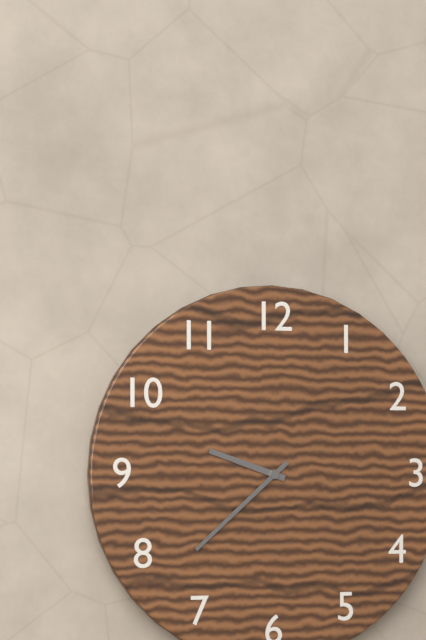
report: 9,38
